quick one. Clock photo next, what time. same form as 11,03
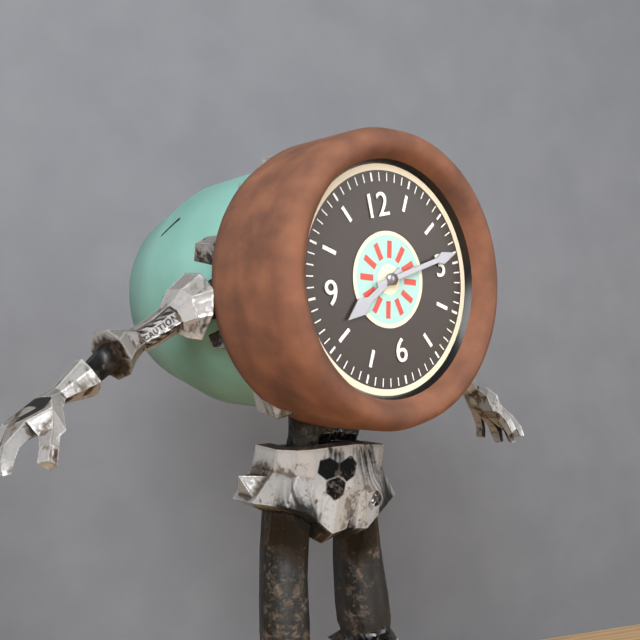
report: 8,14
